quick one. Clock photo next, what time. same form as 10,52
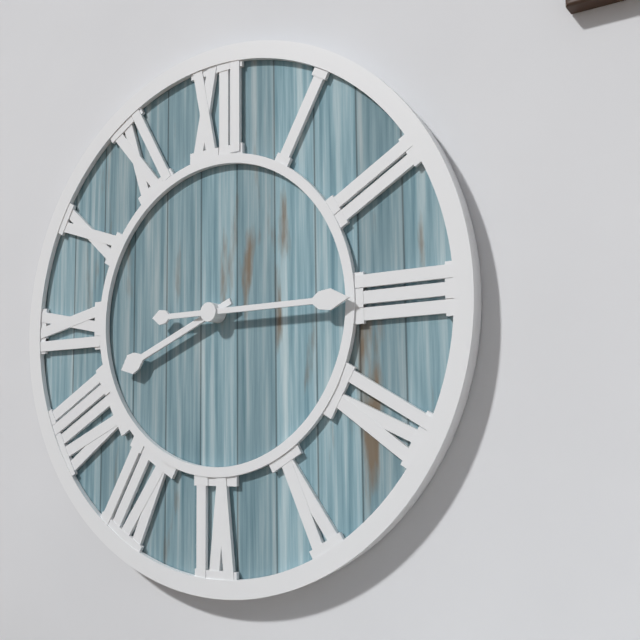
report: 8,15
